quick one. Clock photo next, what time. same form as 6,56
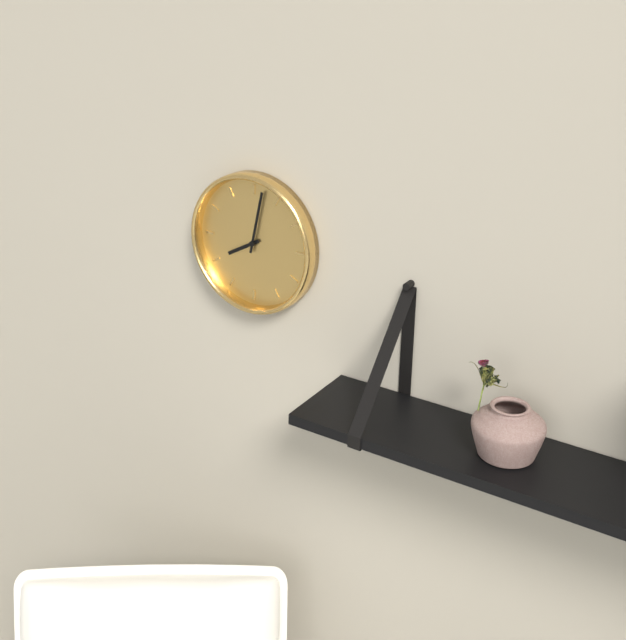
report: 8,02
